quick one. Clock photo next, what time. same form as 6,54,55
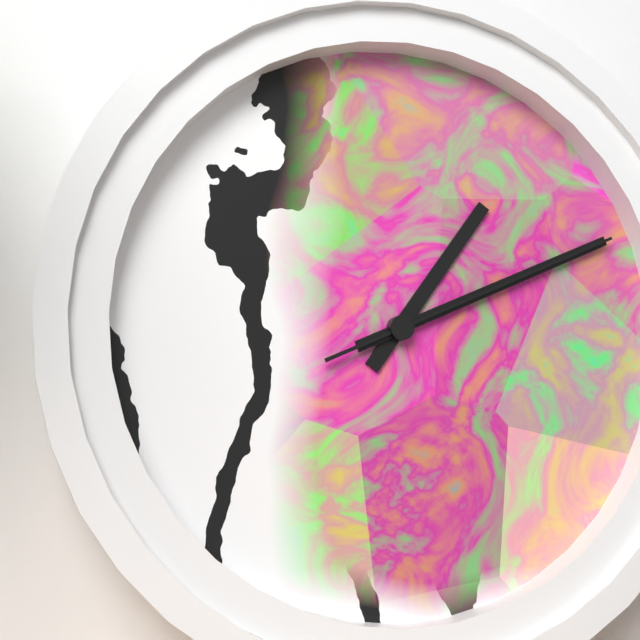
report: 1,11,11
